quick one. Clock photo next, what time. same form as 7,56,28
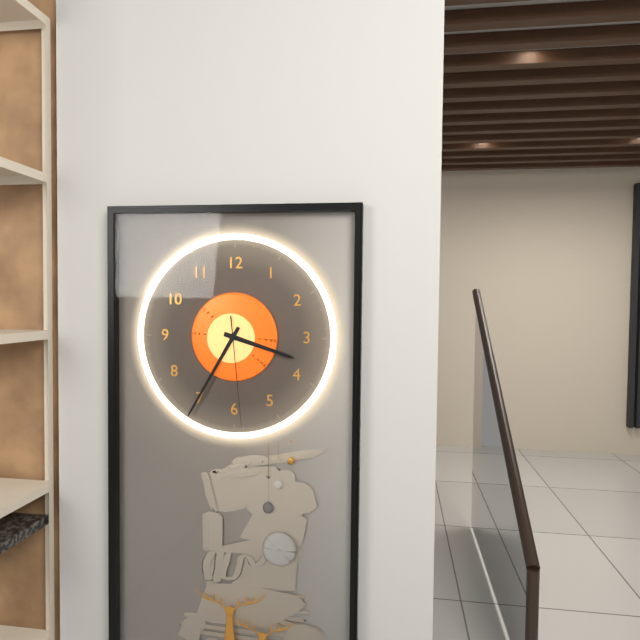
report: 3,35,29
